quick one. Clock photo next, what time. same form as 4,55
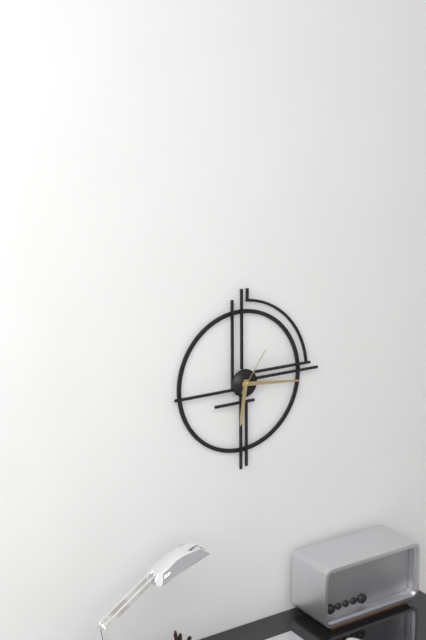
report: 6,16
